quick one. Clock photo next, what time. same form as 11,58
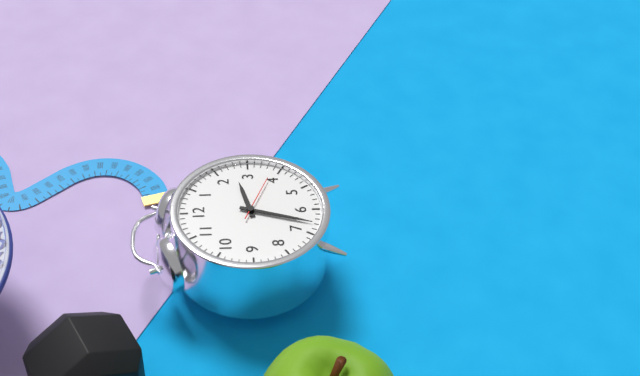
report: 2,33
